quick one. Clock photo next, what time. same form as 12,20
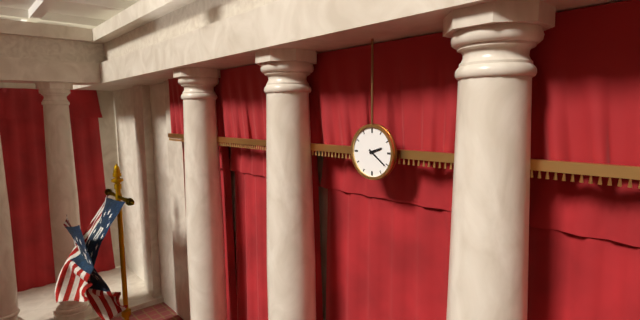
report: 2,21
